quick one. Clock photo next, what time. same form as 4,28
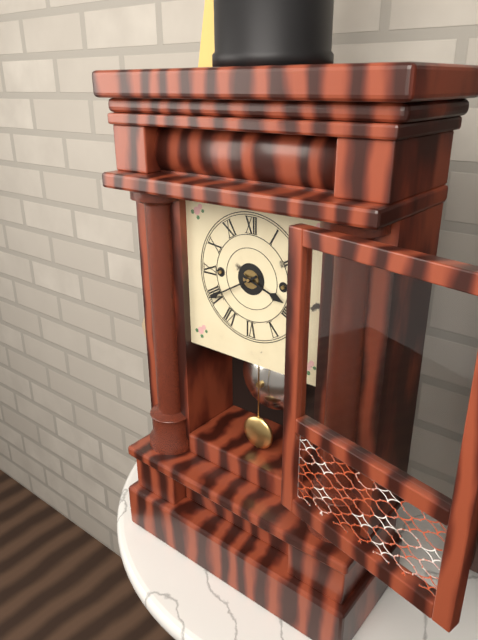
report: 3,40
